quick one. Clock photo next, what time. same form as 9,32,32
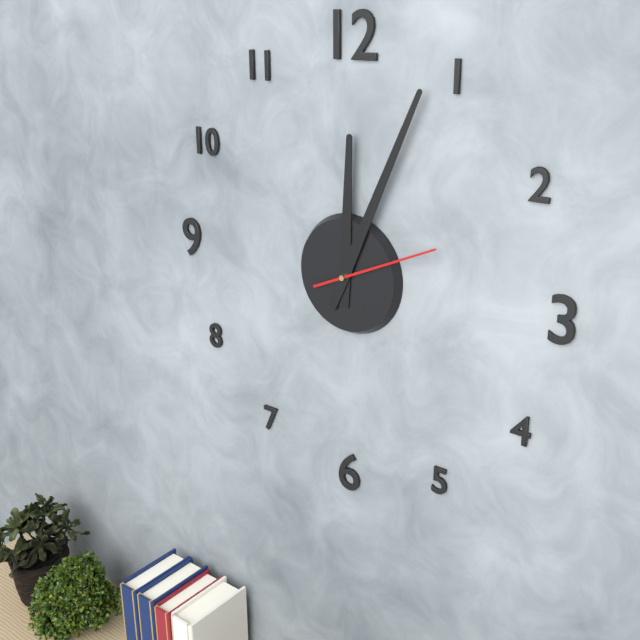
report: 12,04,11
